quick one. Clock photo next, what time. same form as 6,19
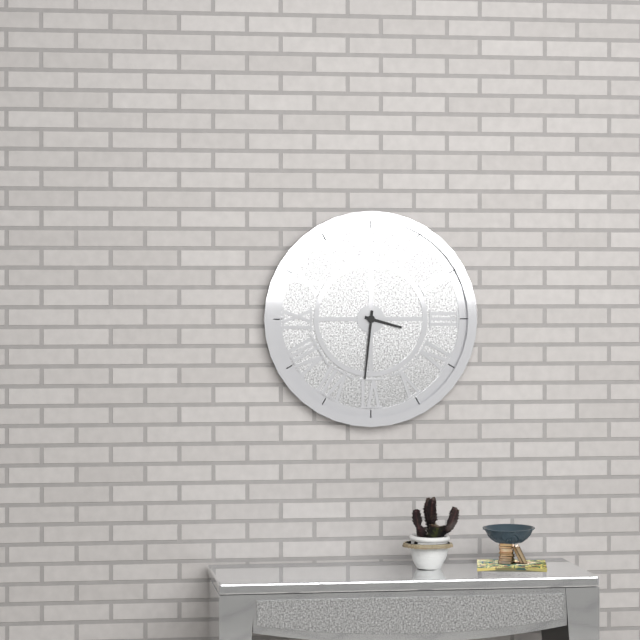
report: 3,31
